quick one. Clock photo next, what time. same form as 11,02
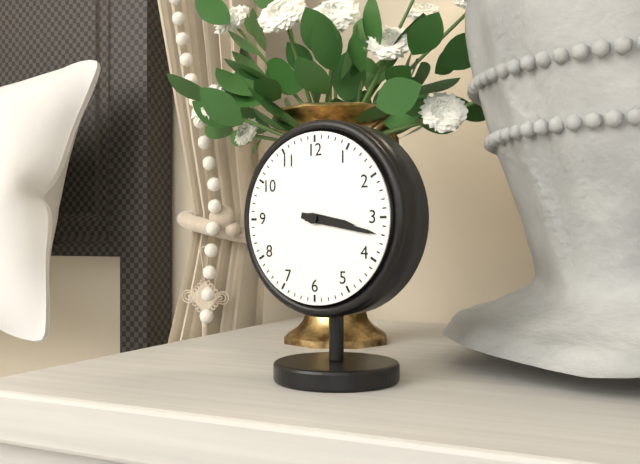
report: 3,17
